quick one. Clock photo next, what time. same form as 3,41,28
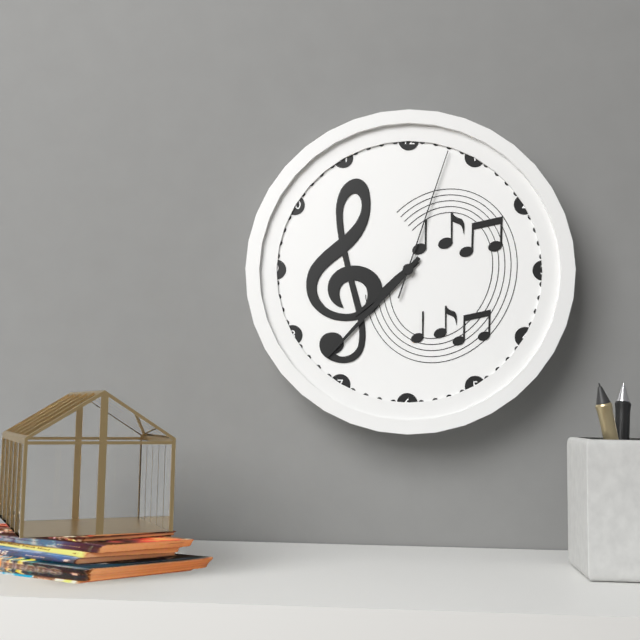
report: 7,37,03
